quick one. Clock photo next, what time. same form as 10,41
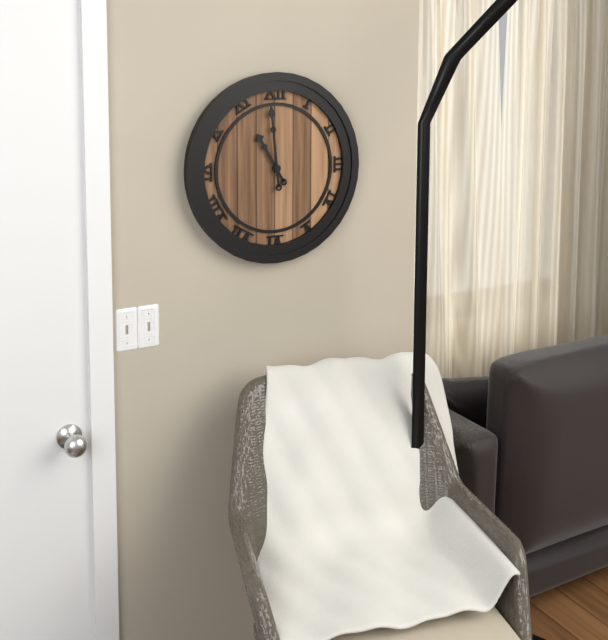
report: 10,59
